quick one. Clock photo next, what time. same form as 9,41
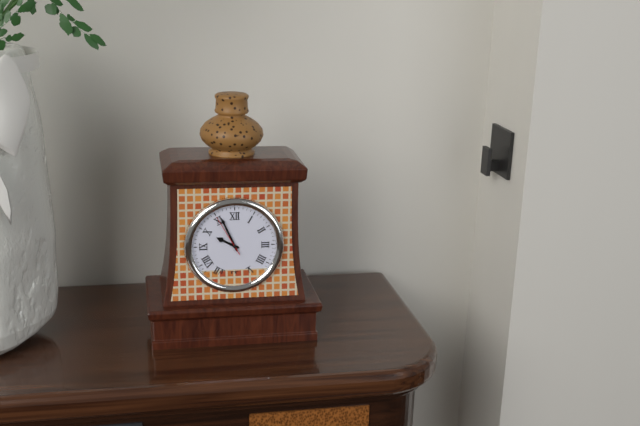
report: 9,56
